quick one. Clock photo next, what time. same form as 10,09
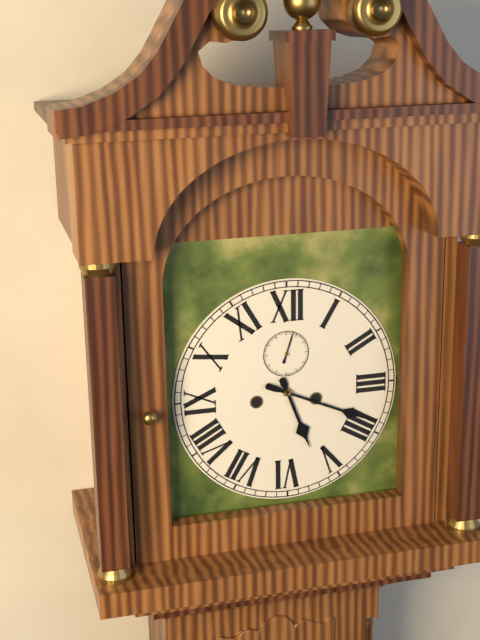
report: 5,19
